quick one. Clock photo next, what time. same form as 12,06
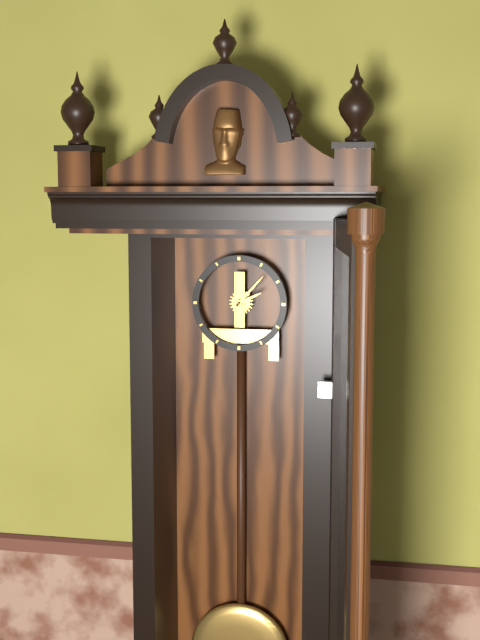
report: 2,07
